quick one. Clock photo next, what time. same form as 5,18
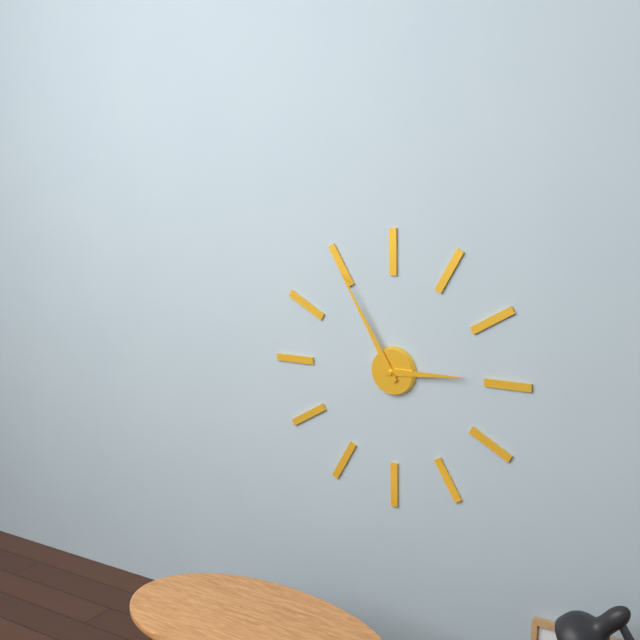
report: 2,55
